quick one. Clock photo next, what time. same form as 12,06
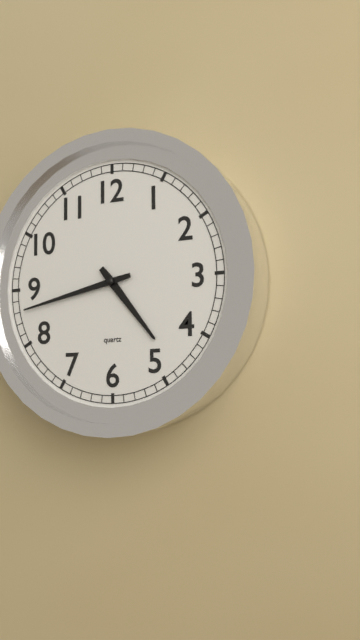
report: 4,43
